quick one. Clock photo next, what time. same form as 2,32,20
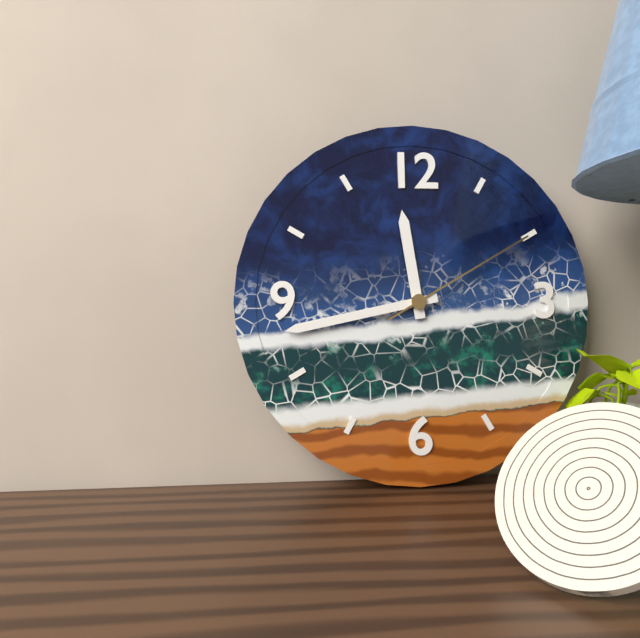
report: 11,43,10
